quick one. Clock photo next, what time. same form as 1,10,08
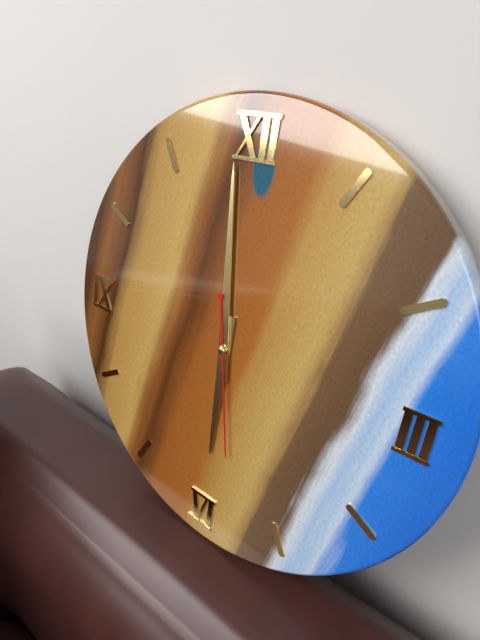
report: 5,59,28
